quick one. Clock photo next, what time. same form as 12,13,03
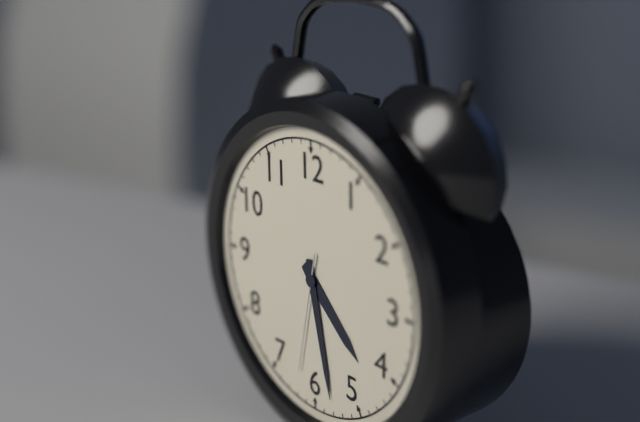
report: 4,28,32
